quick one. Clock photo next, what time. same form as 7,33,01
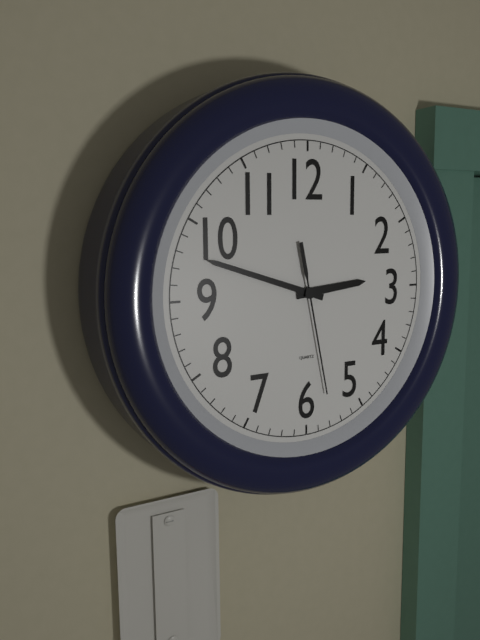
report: 2,48,28
